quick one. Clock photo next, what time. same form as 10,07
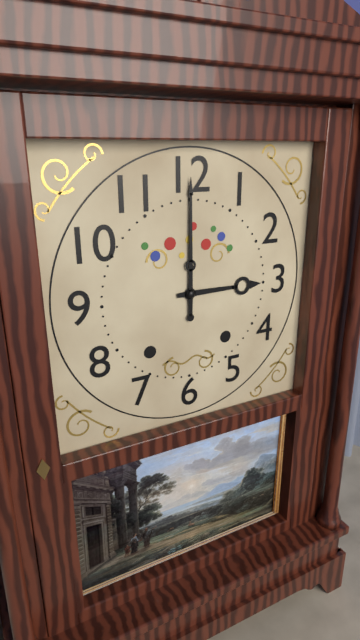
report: 3,00
